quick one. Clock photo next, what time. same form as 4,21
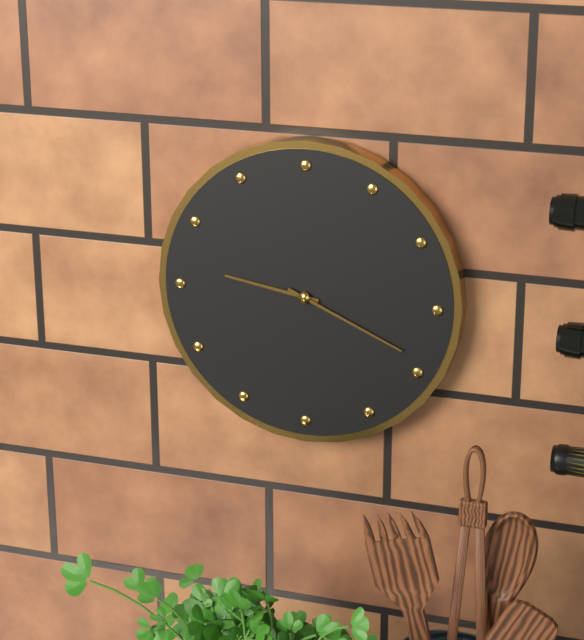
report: 9,19
